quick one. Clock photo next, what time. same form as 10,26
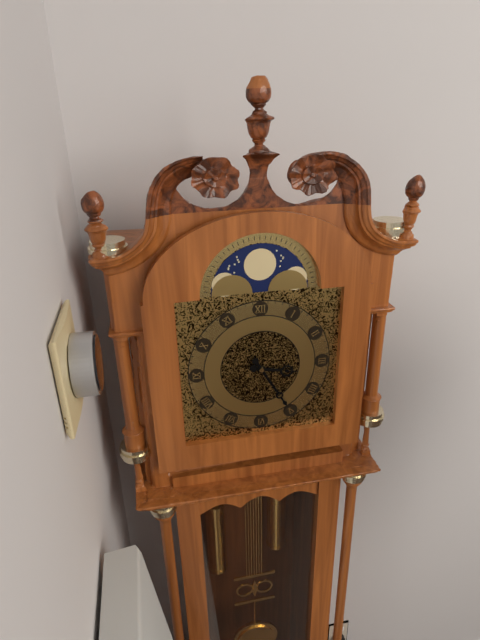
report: 3,25
